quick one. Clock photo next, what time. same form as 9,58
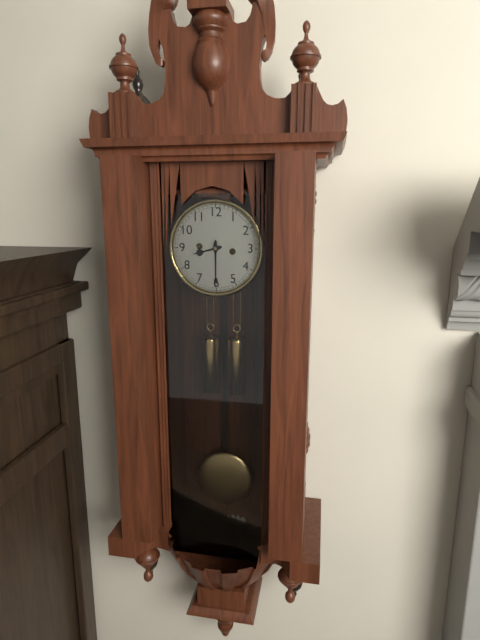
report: 8,30
